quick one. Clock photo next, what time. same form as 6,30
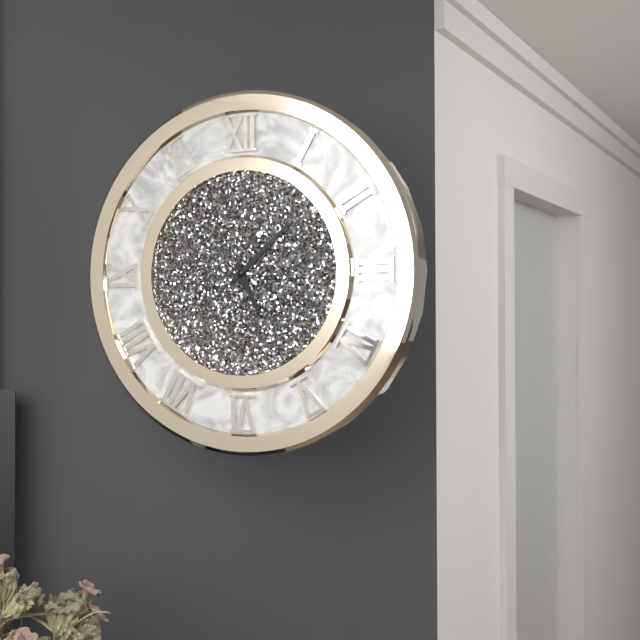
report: 5,08
